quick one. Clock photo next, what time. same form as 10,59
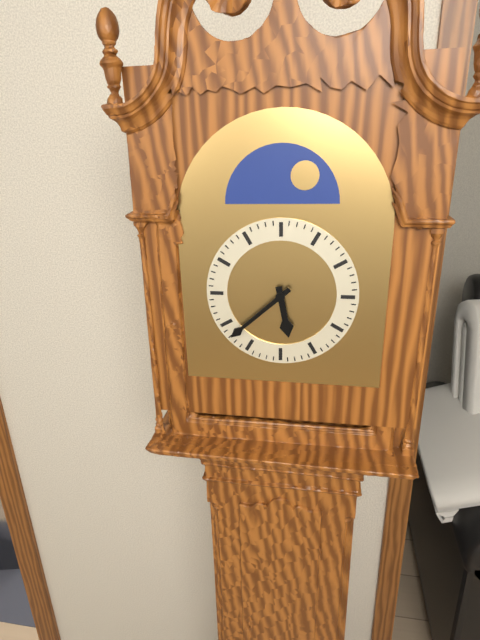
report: 5,38
